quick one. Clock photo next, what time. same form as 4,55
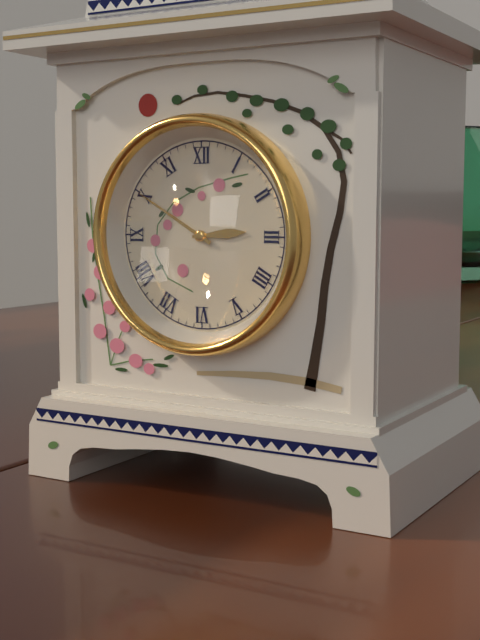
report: 2,50
